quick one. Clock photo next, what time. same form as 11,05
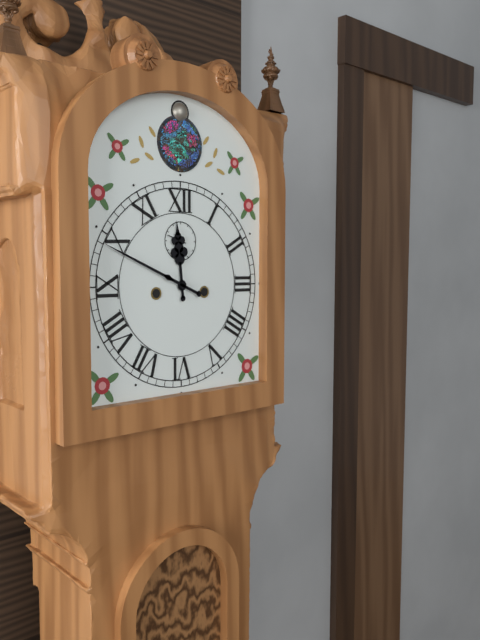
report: 11,49
